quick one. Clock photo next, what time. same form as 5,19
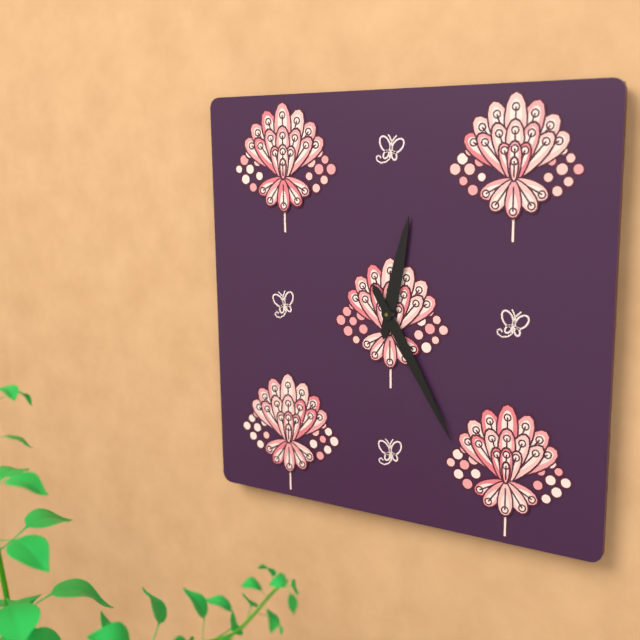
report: 12,25
